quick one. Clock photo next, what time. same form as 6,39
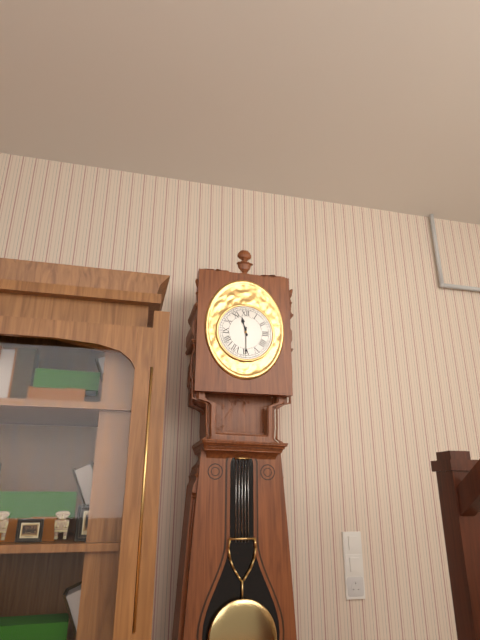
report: 11,30
